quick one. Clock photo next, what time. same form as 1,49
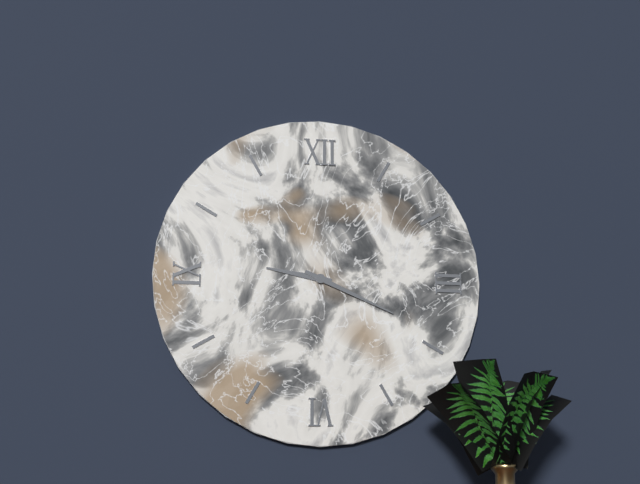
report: 9,19
